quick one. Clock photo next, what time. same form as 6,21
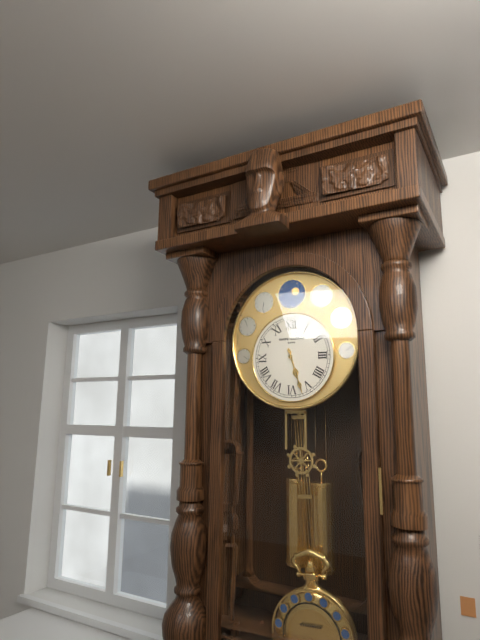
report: 5,27
